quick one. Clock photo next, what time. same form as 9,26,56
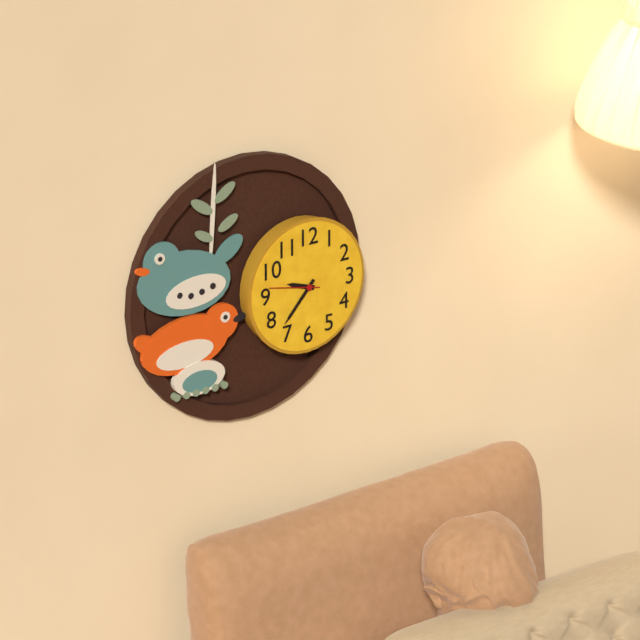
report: 9,37,47
